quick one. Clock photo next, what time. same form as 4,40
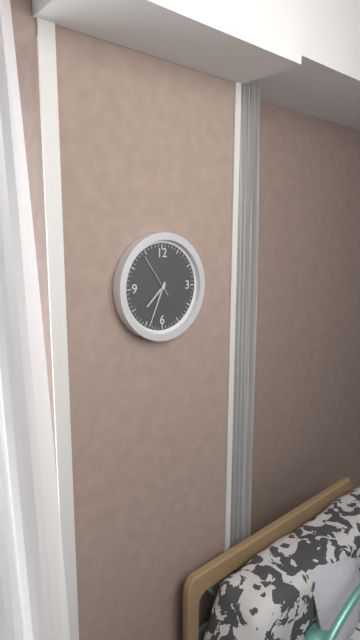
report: 7,34
